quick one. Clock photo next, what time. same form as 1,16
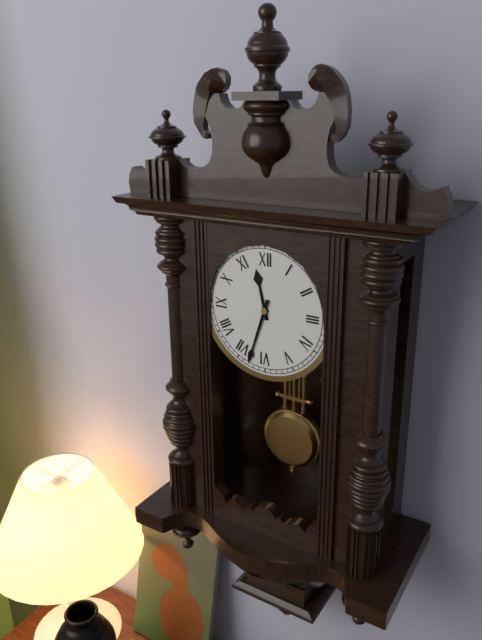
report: 11,33
